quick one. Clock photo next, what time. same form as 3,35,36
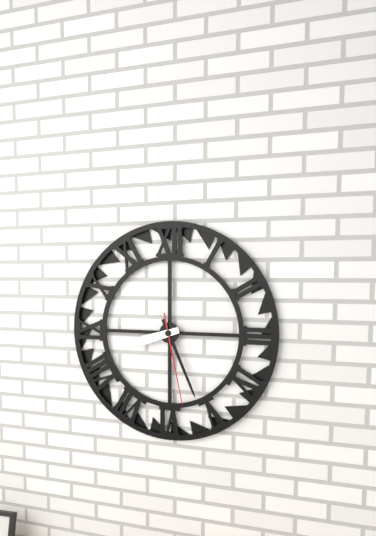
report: 8,26,28
